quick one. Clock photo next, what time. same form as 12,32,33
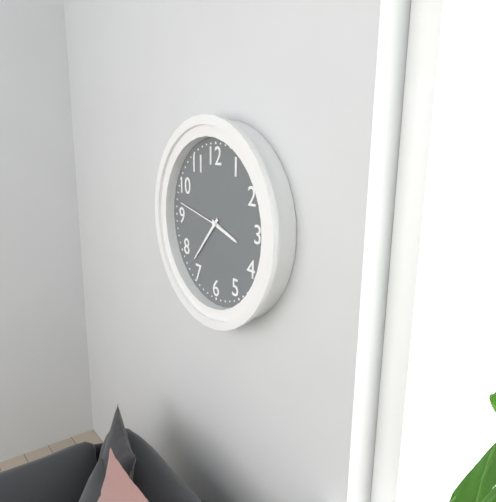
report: 3,37,47
